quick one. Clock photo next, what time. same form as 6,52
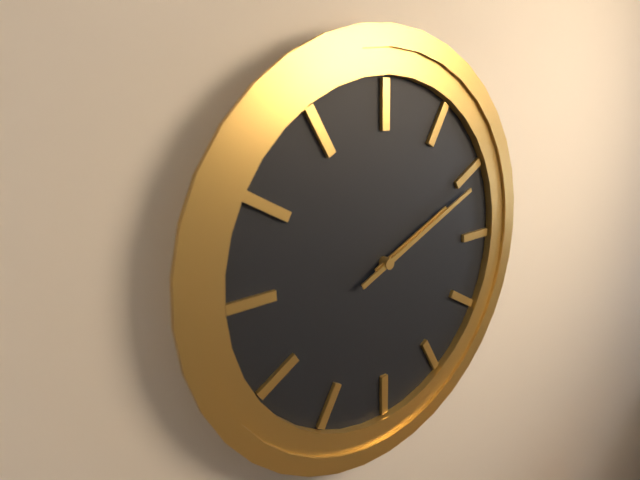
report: 2,11
